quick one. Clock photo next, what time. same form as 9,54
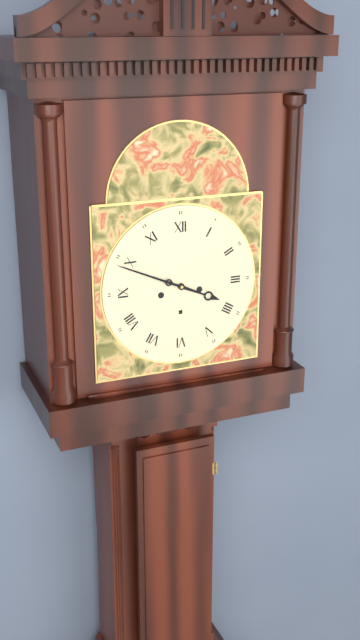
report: 3,49
